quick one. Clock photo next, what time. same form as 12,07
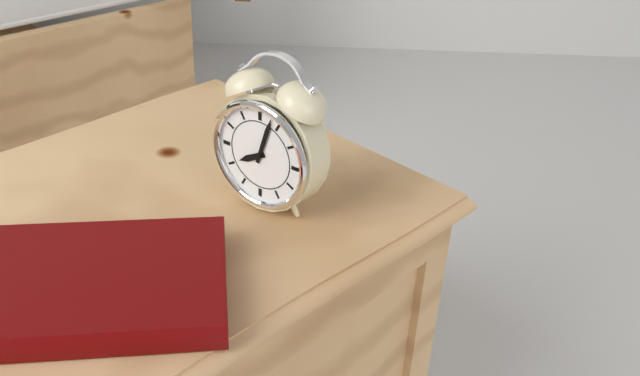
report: 8,03
